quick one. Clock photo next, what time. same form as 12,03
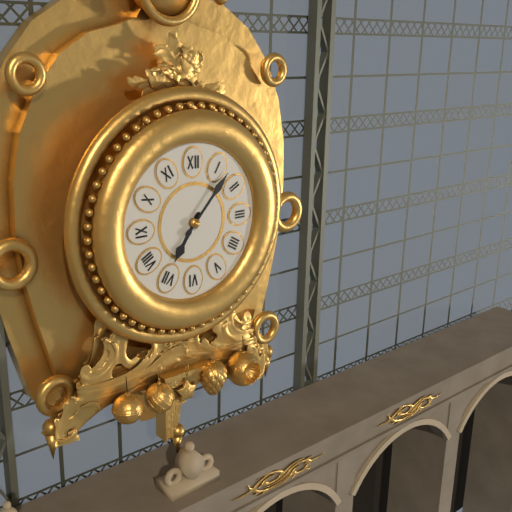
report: 7,07
